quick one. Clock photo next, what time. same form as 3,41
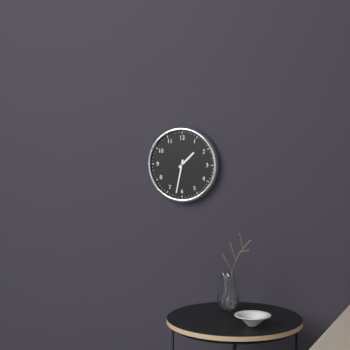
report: 1,32
